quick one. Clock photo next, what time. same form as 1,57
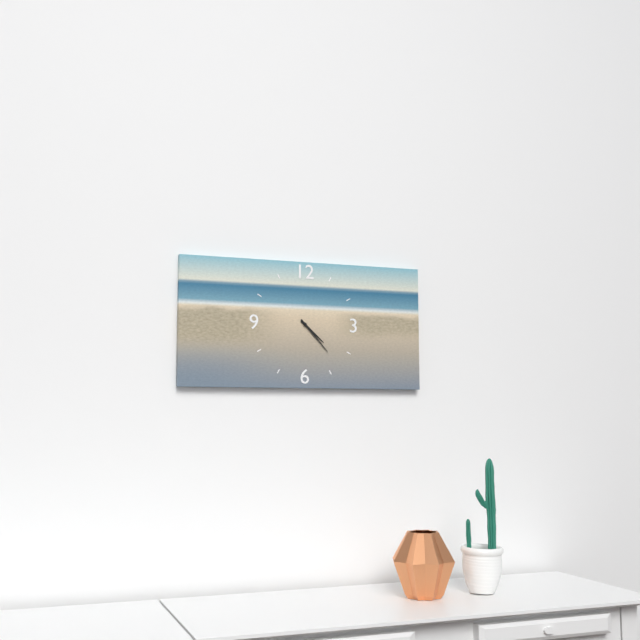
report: 4,23
